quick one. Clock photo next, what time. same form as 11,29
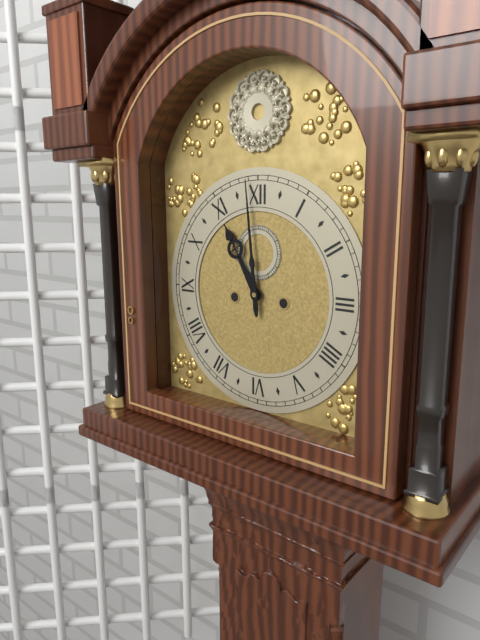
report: 10,59
